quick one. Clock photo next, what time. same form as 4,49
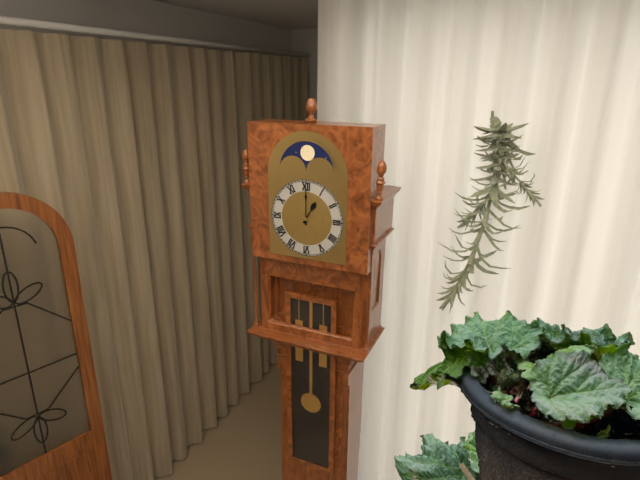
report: 1,00
